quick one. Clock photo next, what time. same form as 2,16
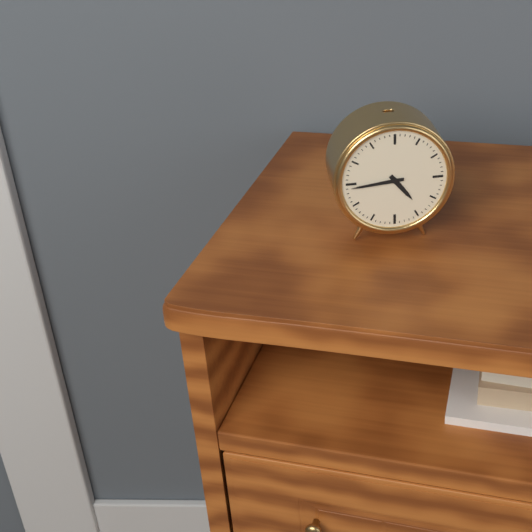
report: 4,44
